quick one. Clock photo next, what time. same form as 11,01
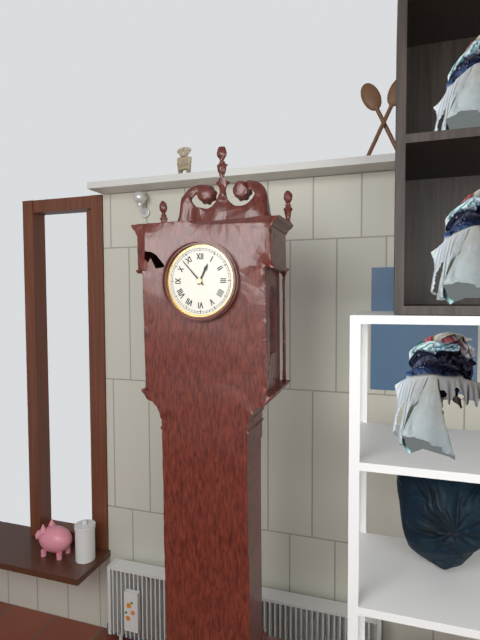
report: 12,53
